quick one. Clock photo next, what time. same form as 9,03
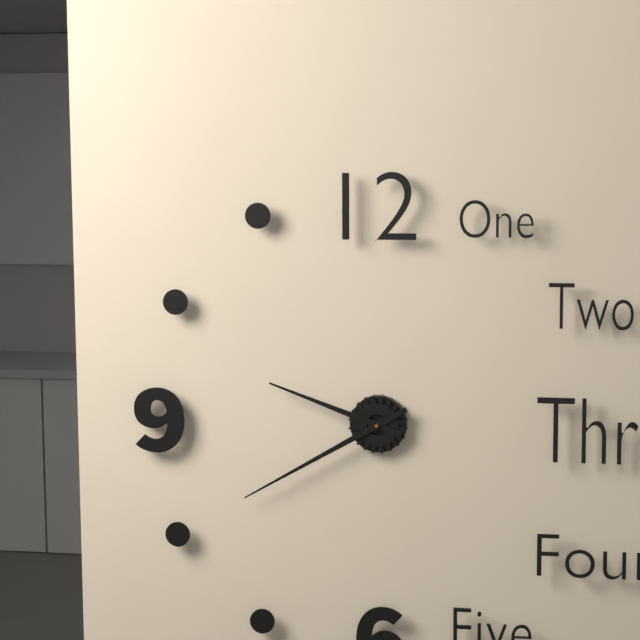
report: 9,40
